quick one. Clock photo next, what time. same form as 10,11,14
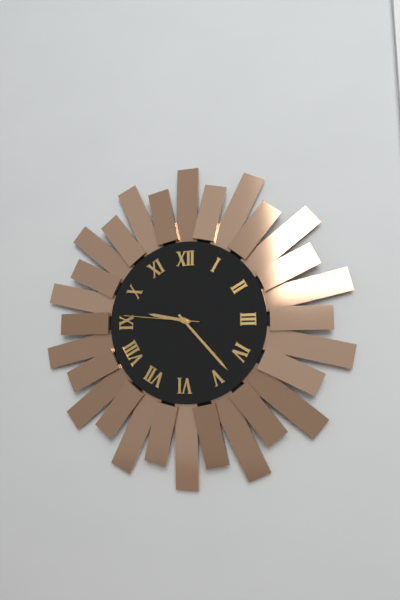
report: 9,23,46
